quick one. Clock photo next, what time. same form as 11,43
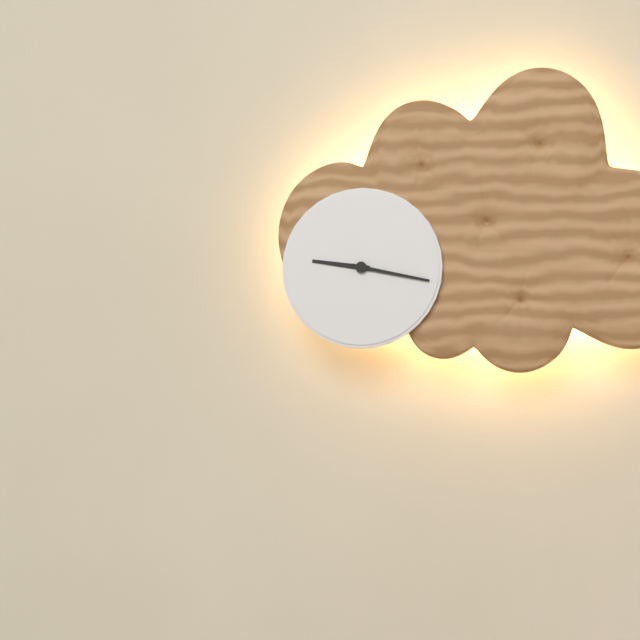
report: 9,17
